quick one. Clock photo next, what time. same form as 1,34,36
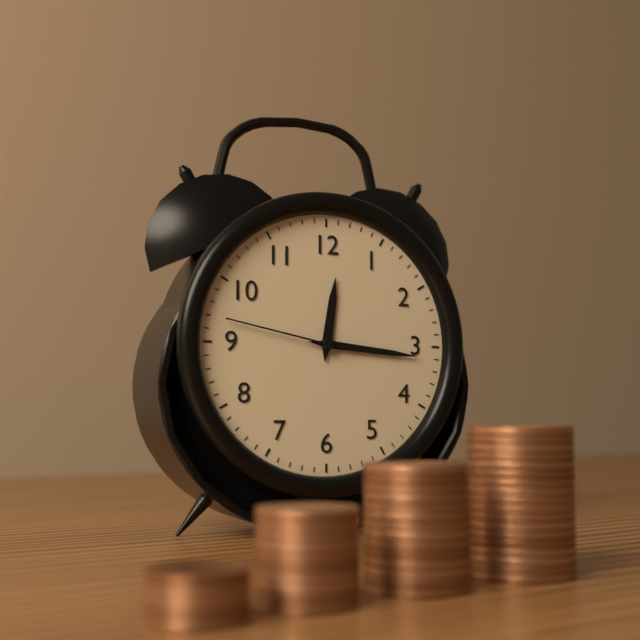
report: 12,16,47
